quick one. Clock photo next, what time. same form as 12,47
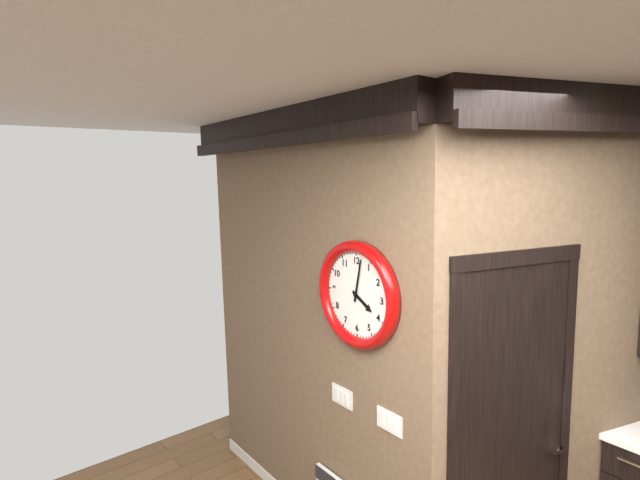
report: 4,02
